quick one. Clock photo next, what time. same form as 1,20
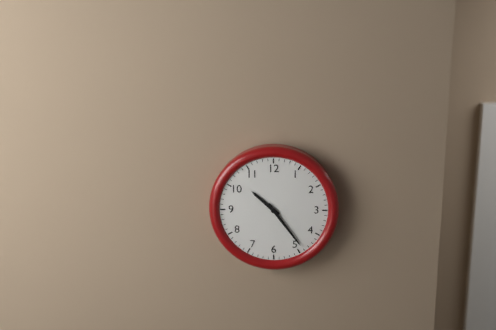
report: 10,24
